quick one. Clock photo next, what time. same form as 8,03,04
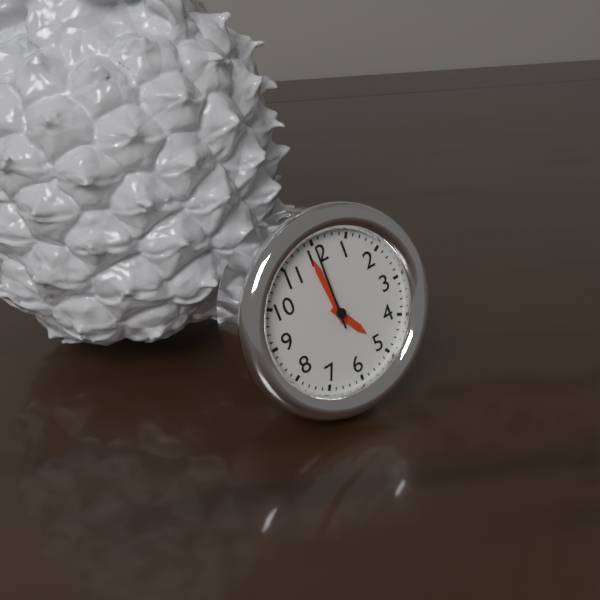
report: 4,59,00
